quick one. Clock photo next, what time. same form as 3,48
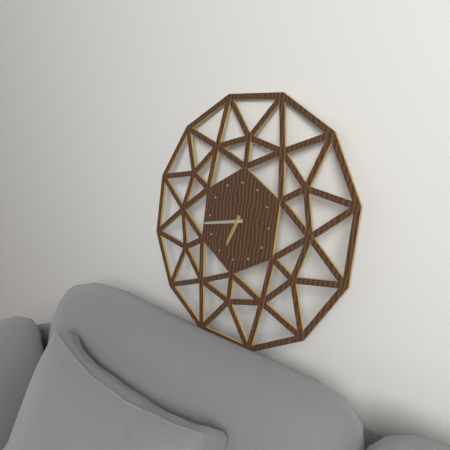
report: 6,43
